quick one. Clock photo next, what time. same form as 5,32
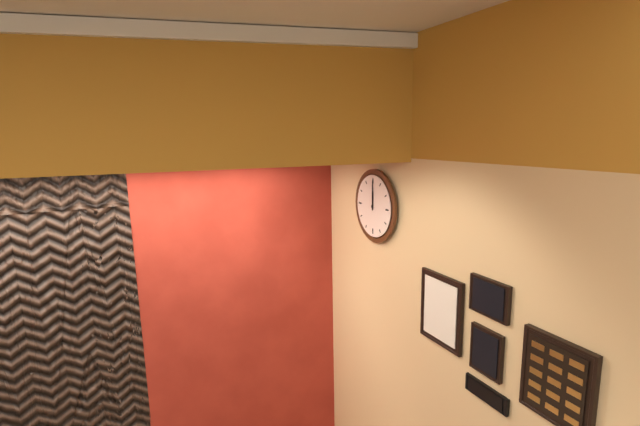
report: 12,00
